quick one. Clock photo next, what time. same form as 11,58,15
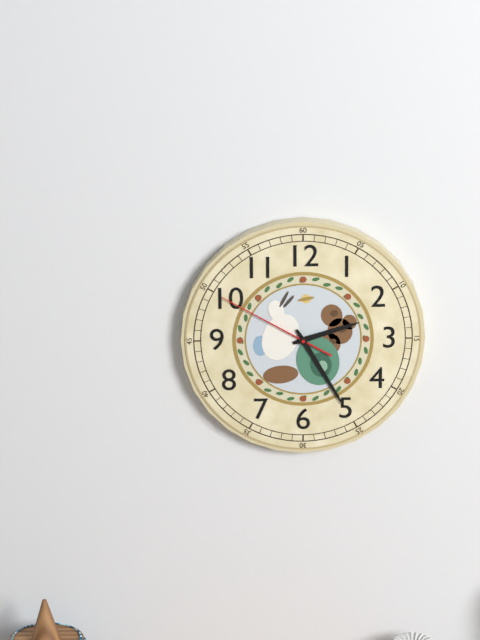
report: 2,25,50
